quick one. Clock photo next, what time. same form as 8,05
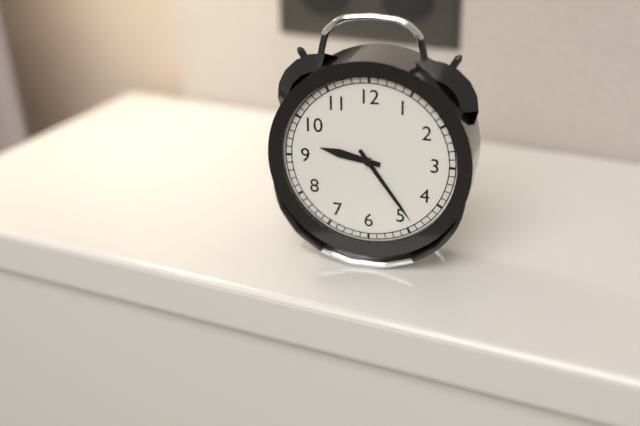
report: 9,24
